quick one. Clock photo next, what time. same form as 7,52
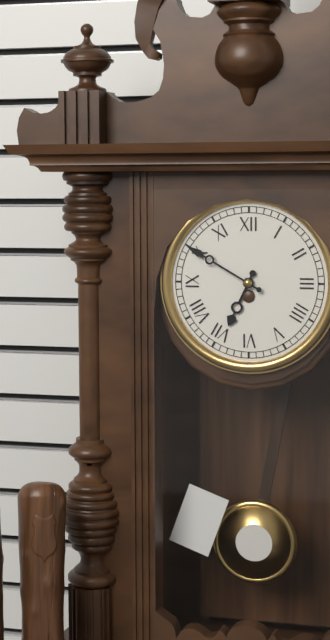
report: 6,50
